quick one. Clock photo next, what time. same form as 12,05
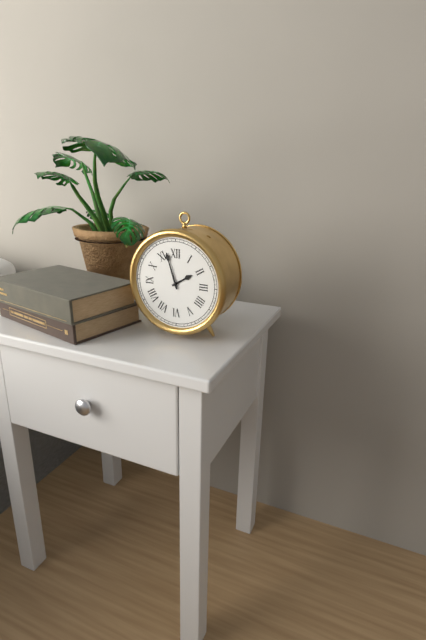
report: 1,57
